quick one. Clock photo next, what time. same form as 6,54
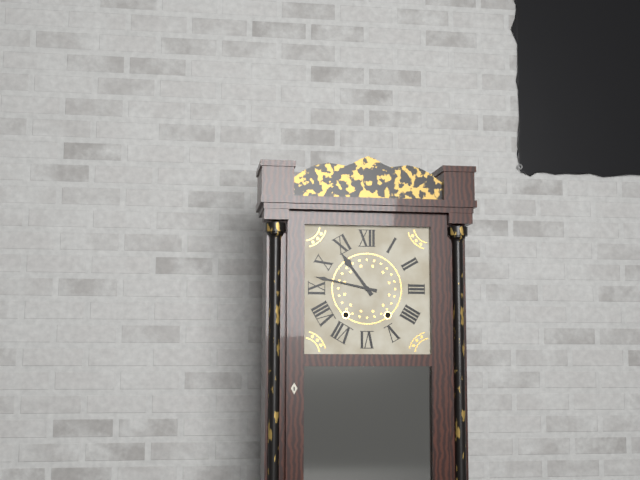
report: 10,47
